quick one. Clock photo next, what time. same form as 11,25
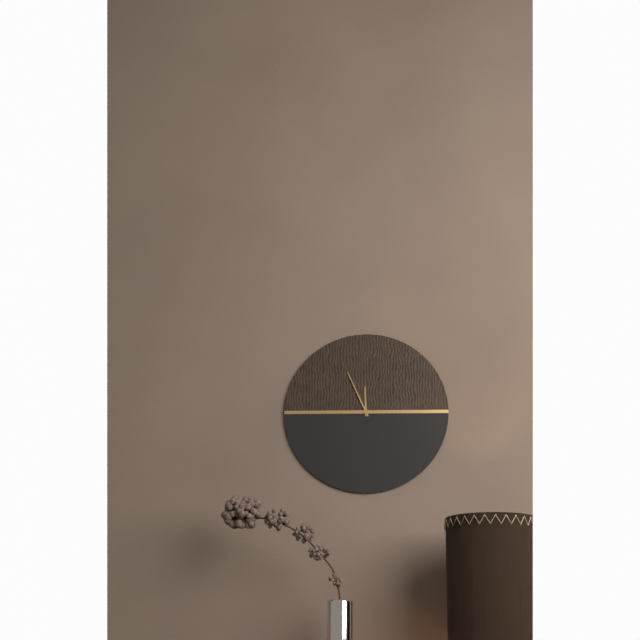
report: 11,56
